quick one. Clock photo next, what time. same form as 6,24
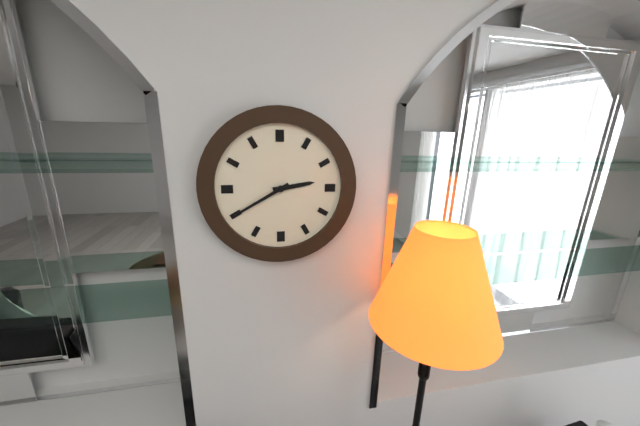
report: 2,40
